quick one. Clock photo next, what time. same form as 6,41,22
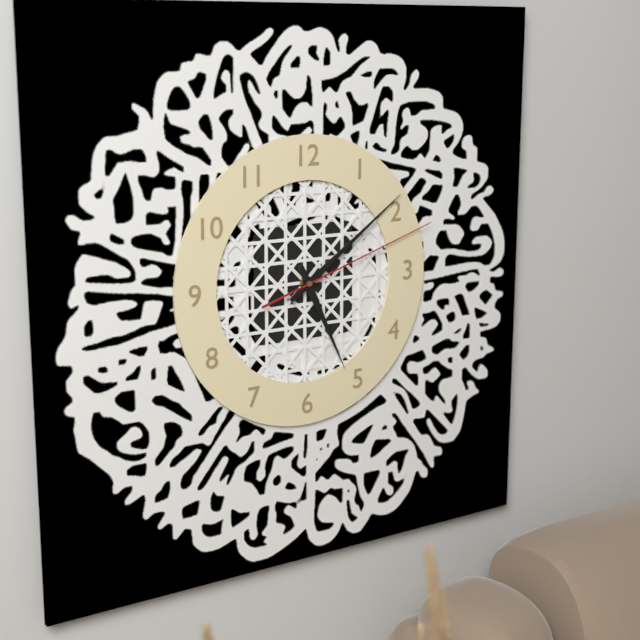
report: 5,09,12
